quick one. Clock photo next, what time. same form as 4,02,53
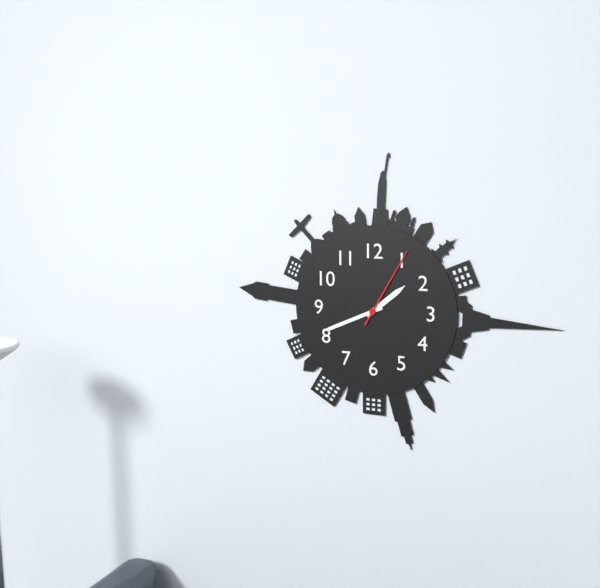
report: 1,41,05
